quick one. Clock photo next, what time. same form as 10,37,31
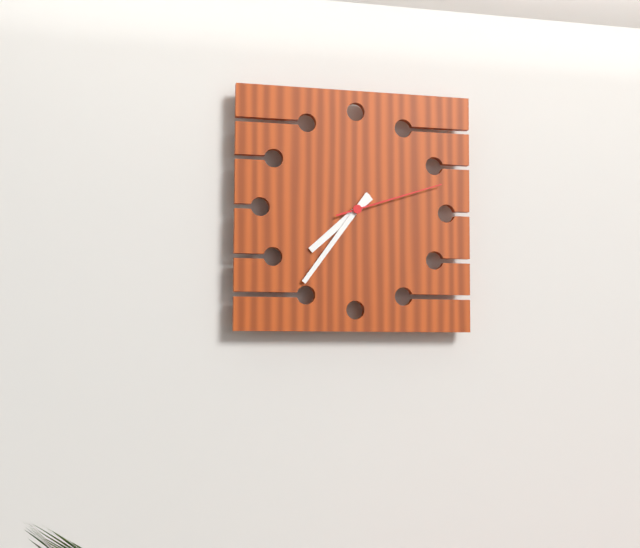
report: 7,36,12
